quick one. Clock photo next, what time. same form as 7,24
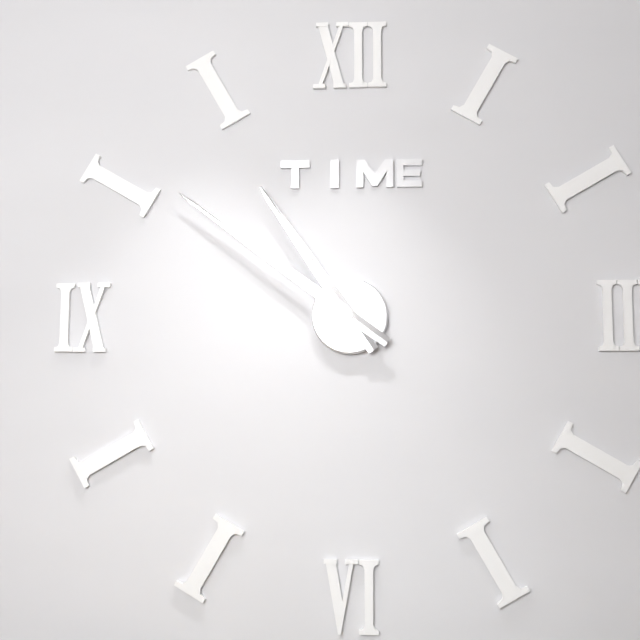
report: 10,51
